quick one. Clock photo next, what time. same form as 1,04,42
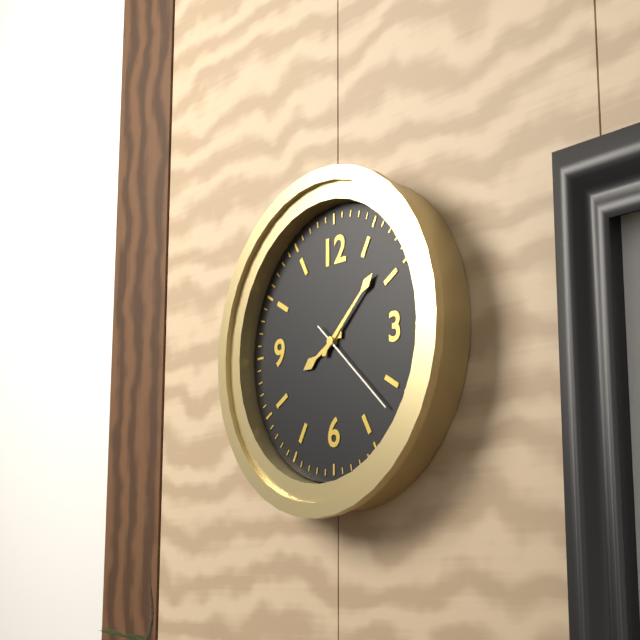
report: 8,08,22
